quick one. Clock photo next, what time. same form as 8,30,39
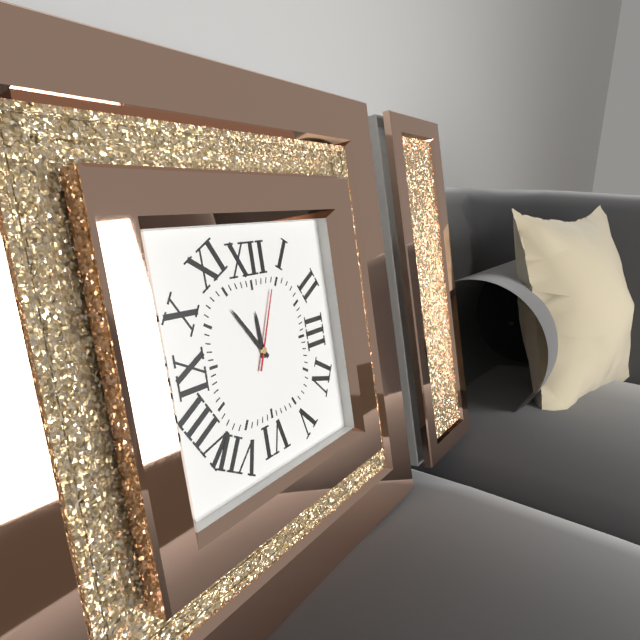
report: 11,54,04
